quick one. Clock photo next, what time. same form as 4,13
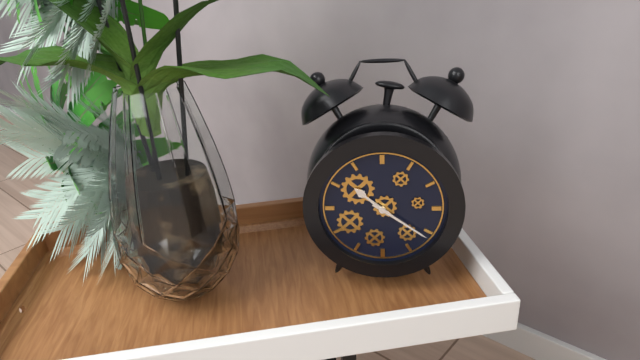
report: 10,21
